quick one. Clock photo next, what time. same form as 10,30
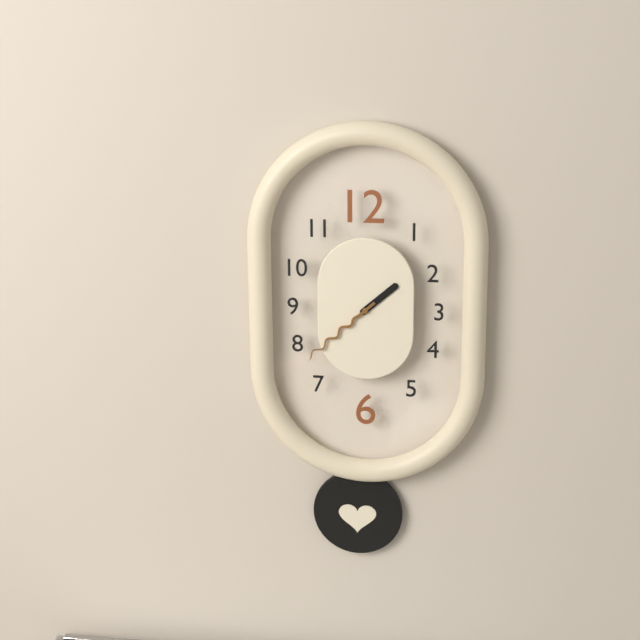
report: 1,38
